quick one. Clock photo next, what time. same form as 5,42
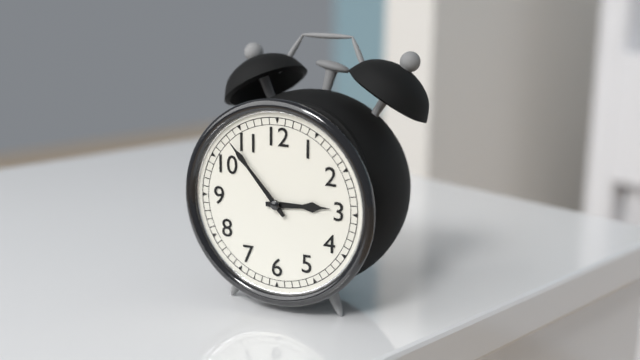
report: 2,53
